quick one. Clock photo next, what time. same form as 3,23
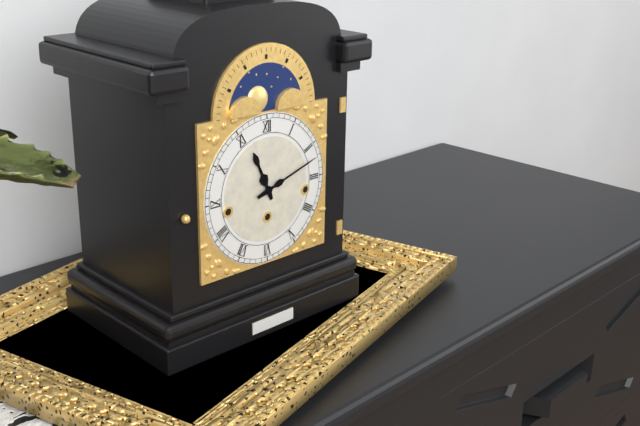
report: 11,12
